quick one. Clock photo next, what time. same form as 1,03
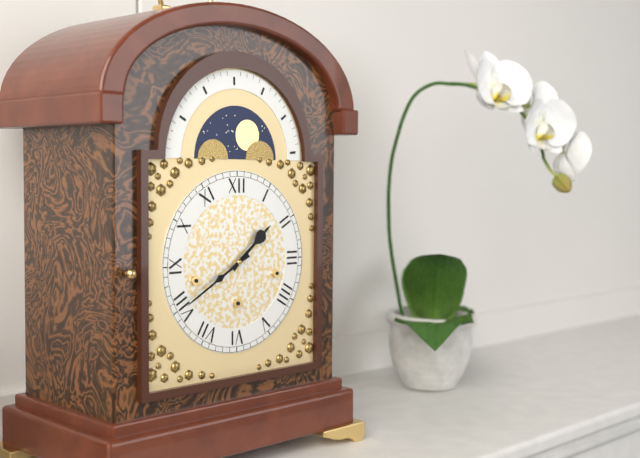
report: 1,40
